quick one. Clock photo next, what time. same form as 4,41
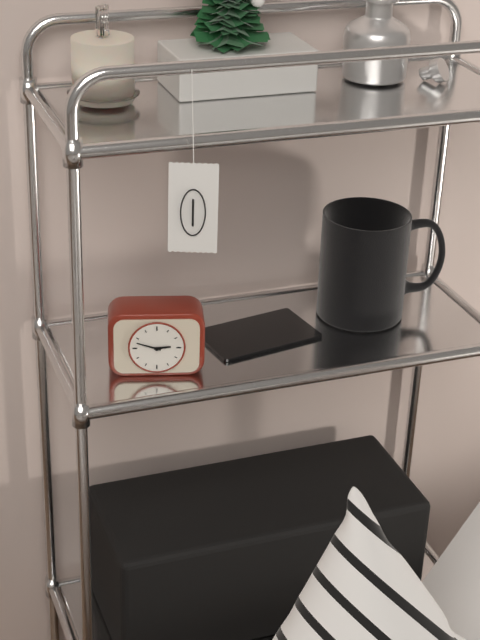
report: 2,48
